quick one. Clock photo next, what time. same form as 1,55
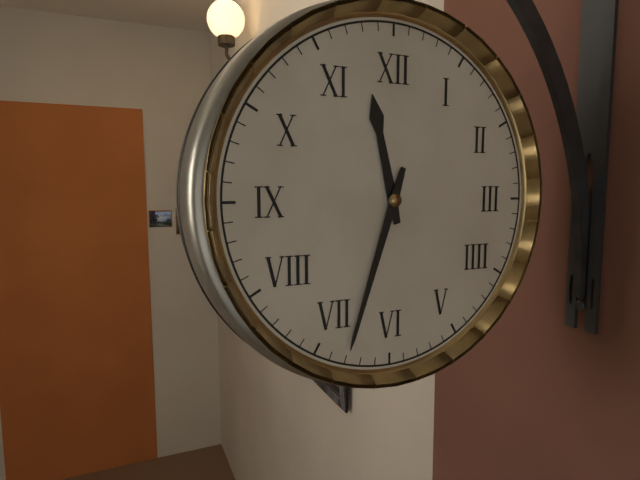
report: 11,33
